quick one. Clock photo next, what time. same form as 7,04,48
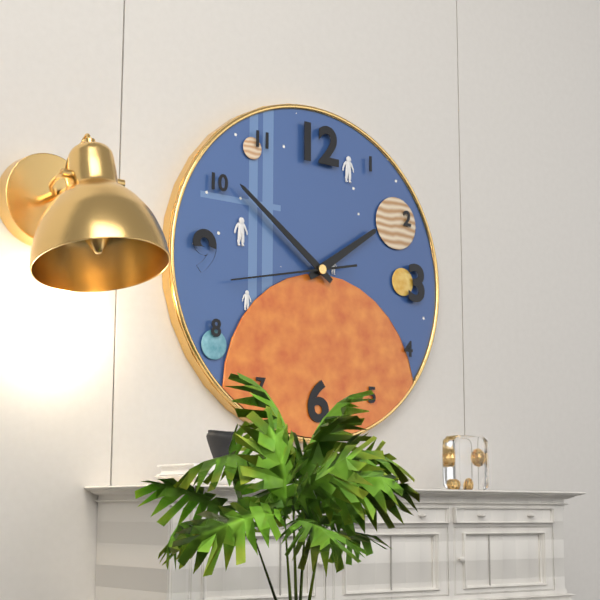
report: 1,51,43
